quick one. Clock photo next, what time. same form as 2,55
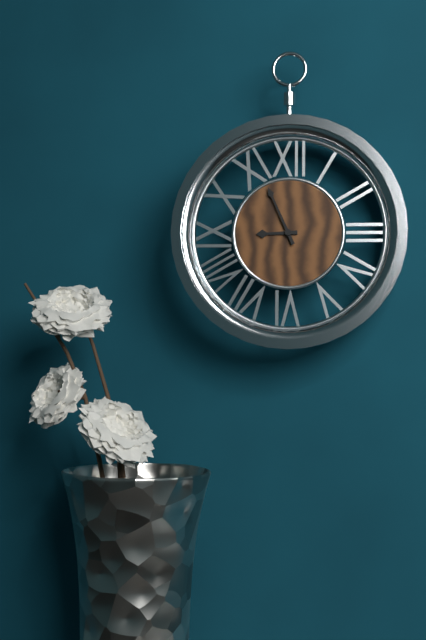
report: 8,56
